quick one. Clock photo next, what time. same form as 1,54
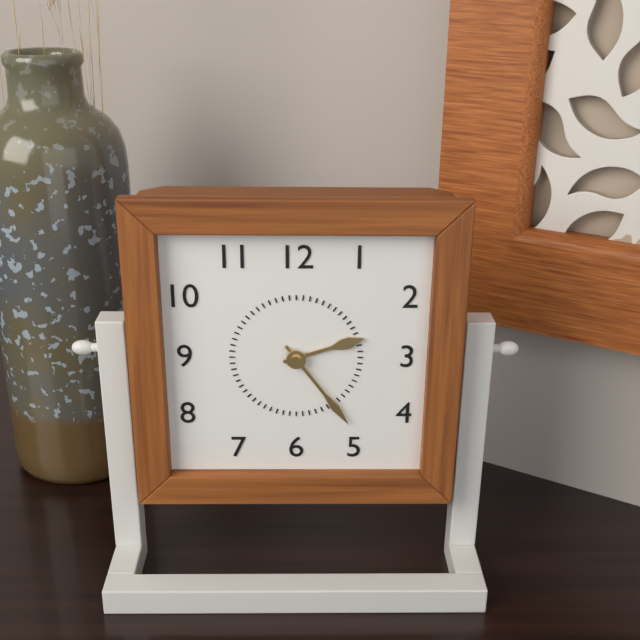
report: 2,24
